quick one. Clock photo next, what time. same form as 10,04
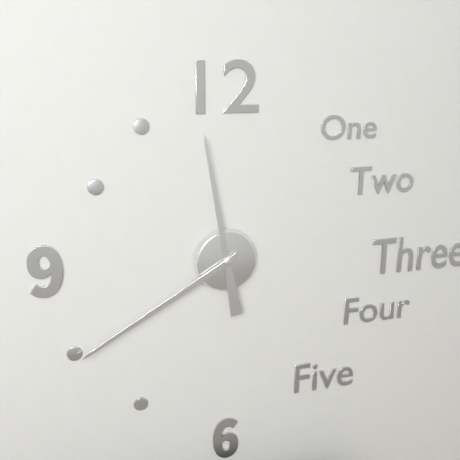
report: 11,40
